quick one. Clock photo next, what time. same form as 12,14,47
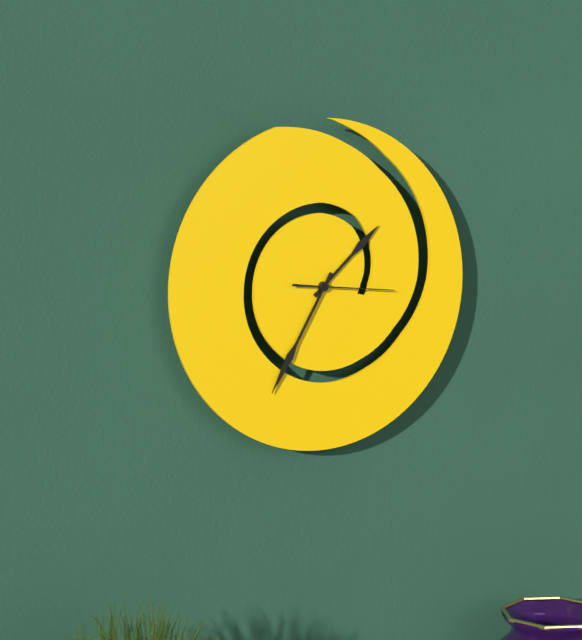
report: 1,35,16
